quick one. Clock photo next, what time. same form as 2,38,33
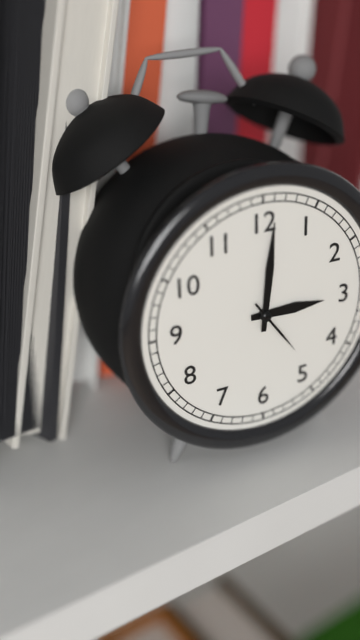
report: 3,01,24
